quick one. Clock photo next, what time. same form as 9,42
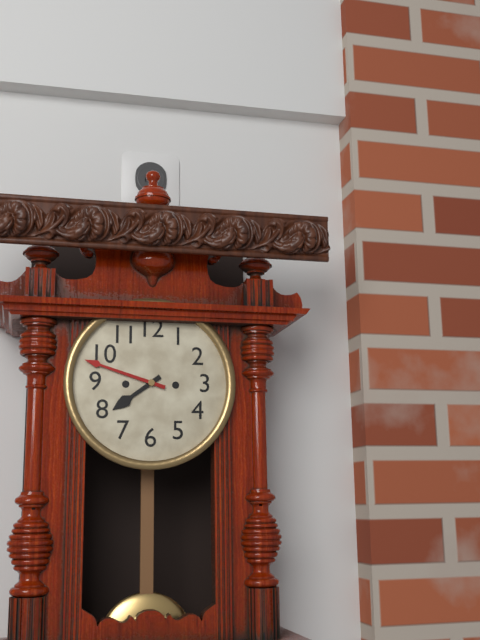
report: 7,48
